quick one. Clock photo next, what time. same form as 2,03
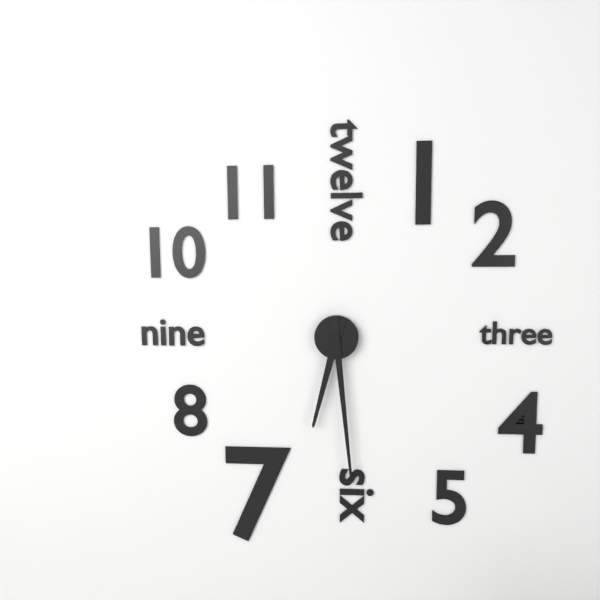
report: 6,29
